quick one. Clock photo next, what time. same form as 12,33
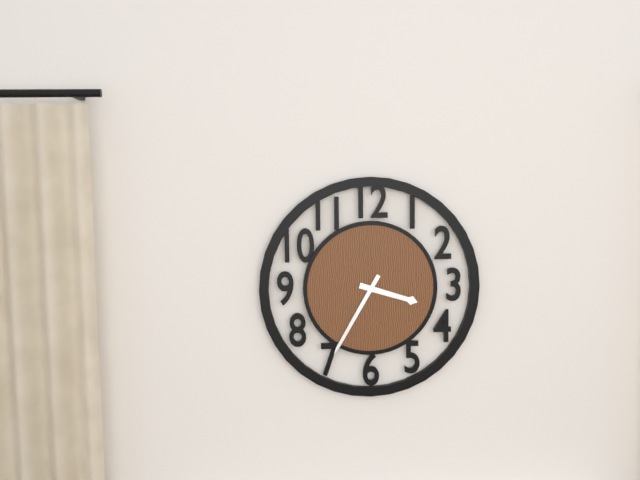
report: 3,35
